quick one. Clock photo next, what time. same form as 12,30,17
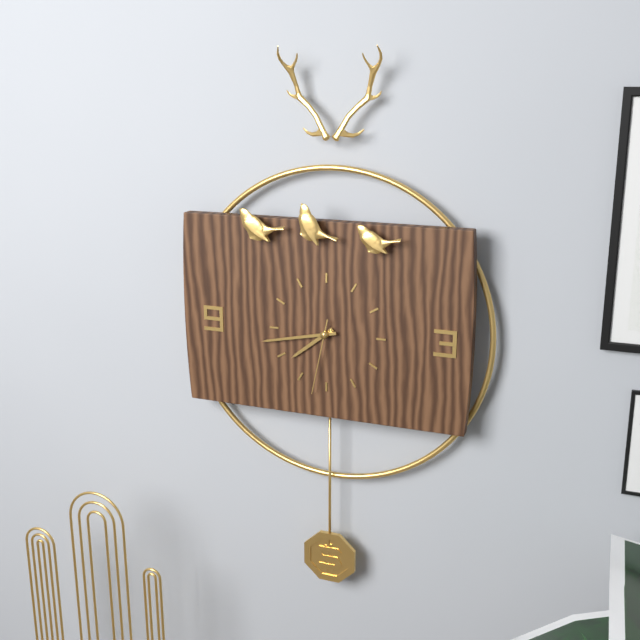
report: 7,43,32
